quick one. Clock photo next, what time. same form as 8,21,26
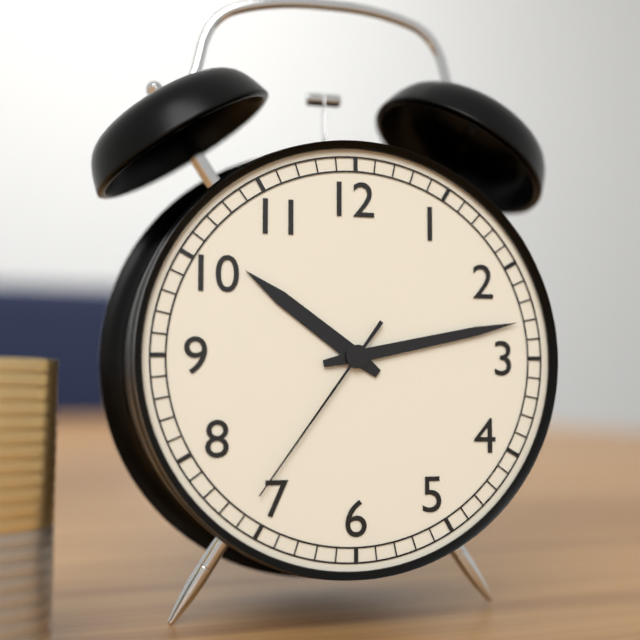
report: 10,13,36
